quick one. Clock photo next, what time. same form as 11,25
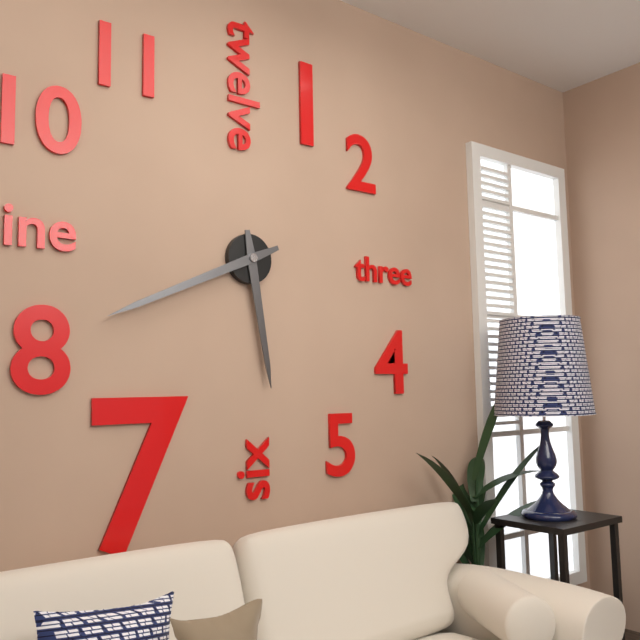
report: 5,41
